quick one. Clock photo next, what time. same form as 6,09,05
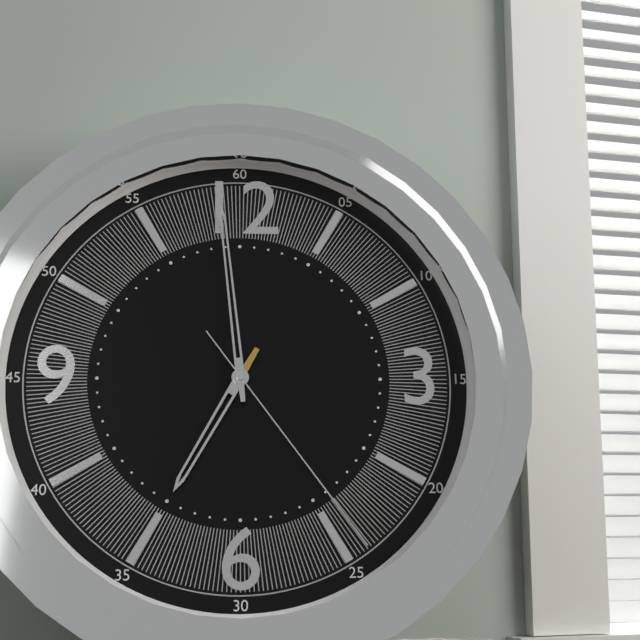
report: 6,59,24
